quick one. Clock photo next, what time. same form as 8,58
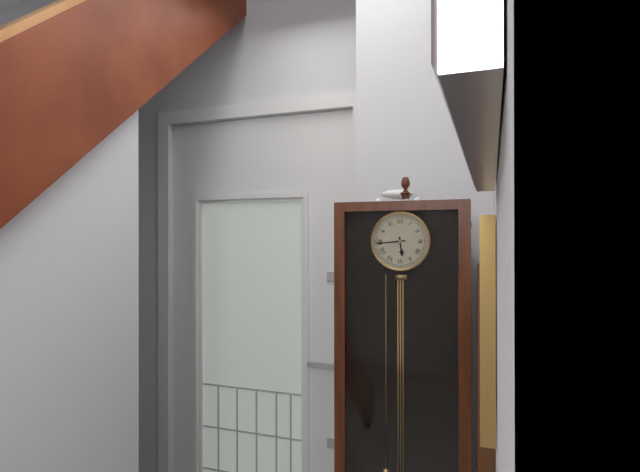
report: 5,44
